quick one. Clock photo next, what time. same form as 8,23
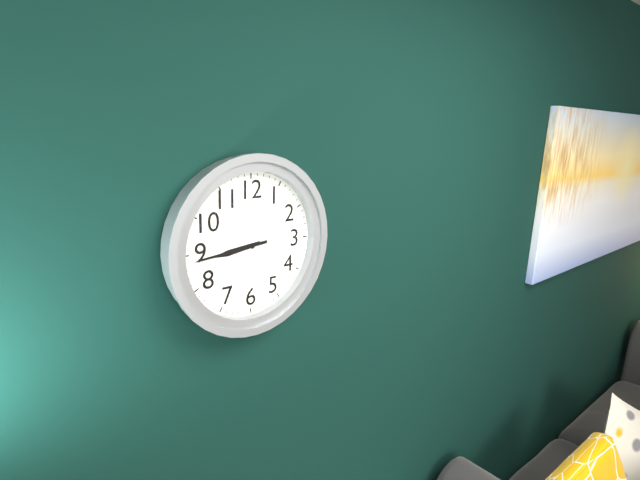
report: 8,44
